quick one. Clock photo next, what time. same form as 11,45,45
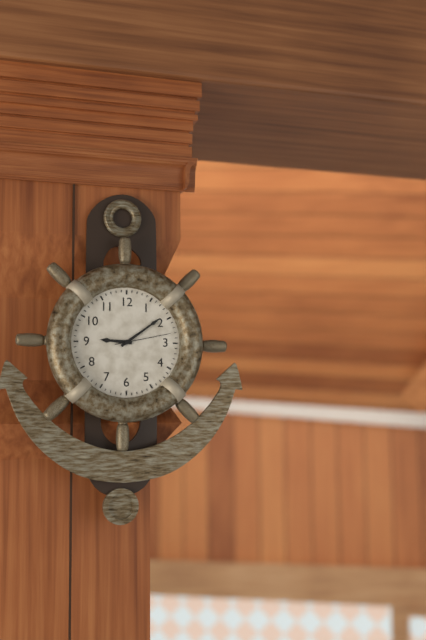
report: 9,09,13
